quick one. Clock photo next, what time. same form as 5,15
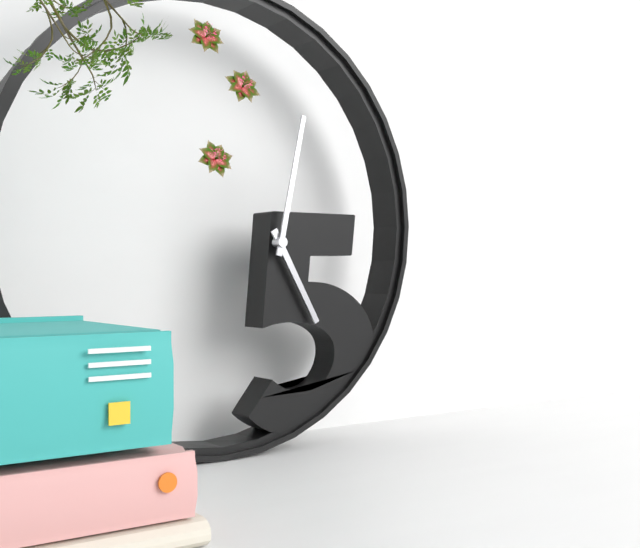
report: 5,02
